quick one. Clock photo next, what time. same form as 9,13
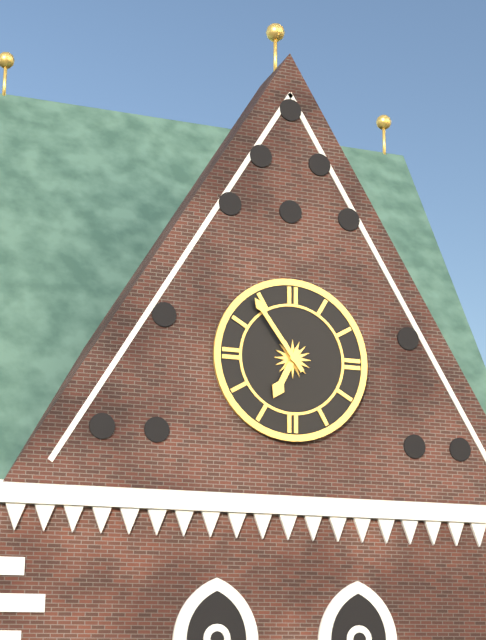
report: 6,54
